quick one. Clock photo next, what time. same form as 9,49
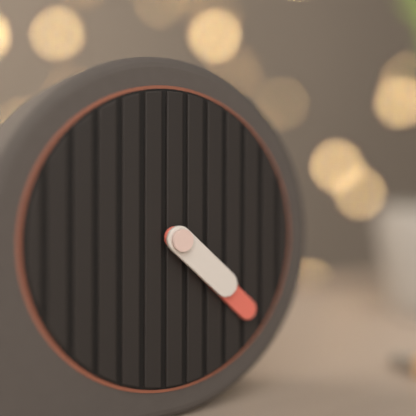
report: 4,22
